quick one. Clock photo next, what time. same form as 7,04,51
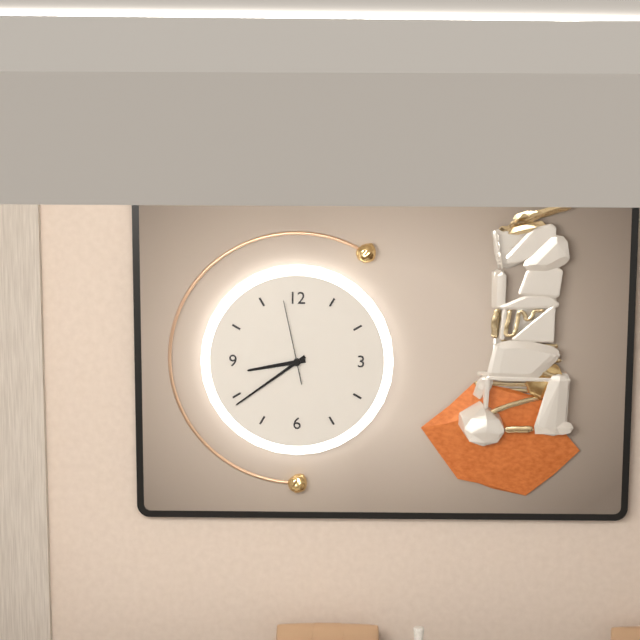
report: 8,39,58
